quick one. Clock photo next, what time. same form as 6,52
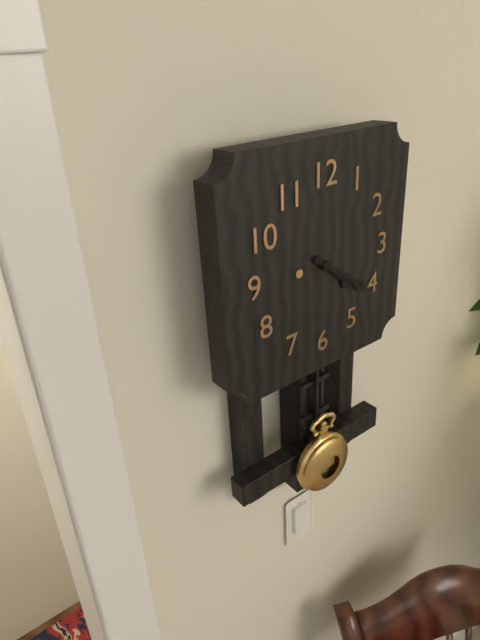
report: 4,21
